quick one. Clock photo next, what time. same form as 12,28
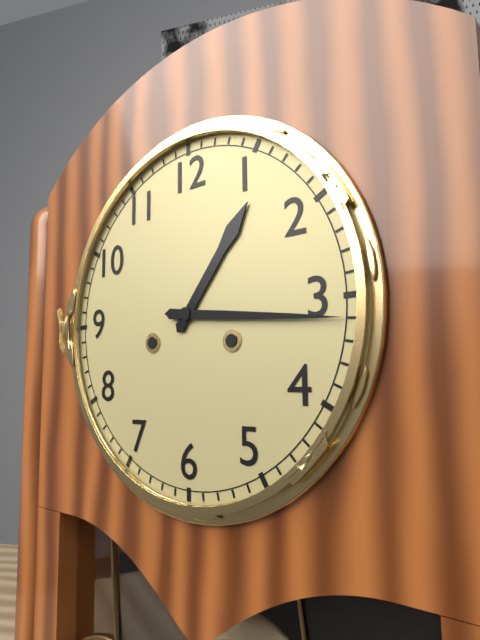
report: 1,16
